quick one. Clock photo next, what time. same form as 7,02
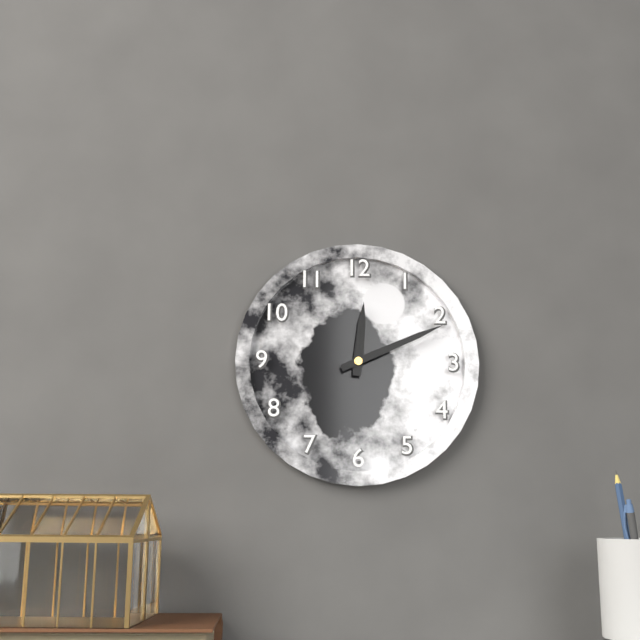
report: 12,11
